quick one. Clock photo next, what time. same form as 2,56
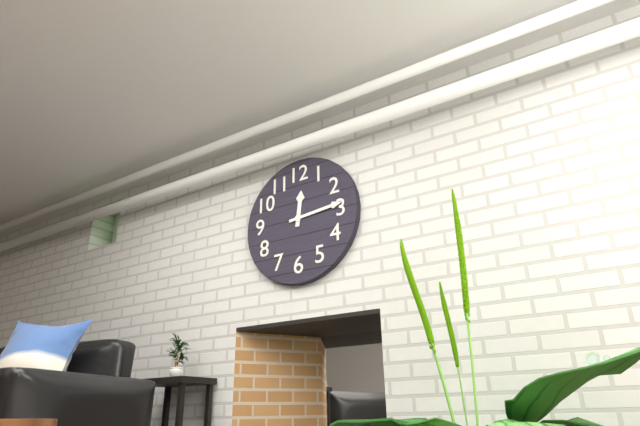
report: 12,14
